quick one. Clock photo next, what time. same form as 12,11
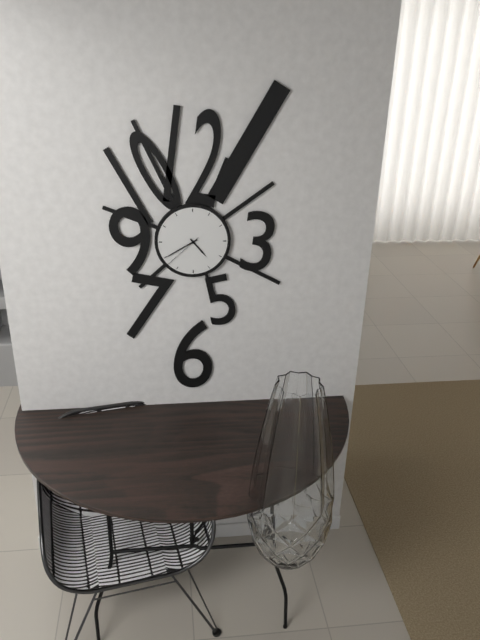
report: 4,40
